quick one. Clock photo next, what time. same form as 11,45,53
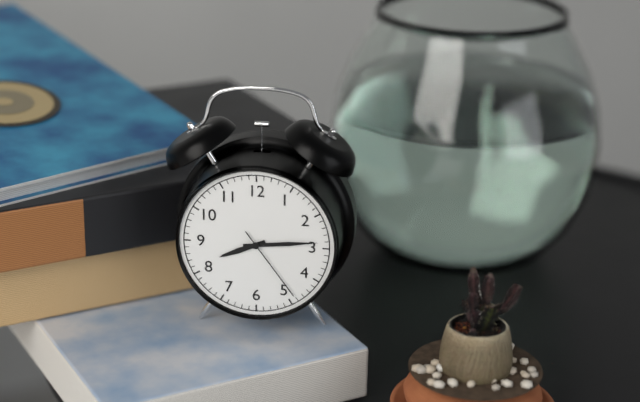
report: 8,14,24
